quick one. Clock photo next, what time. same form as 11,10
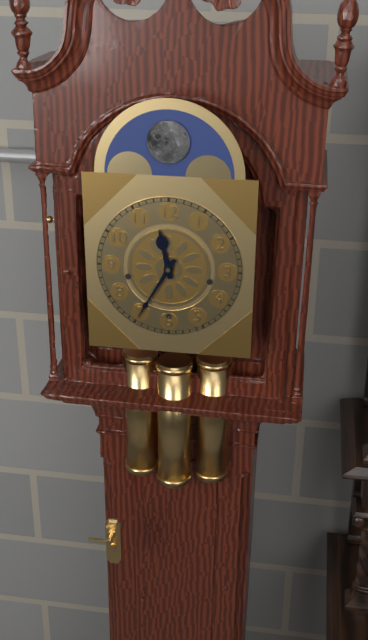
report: 11,35
